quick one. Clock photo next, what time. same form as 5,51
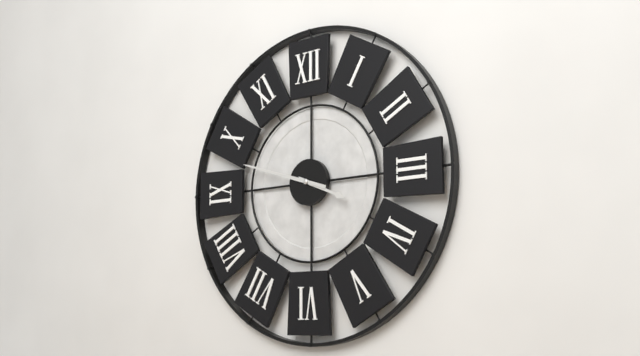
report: 3,48
